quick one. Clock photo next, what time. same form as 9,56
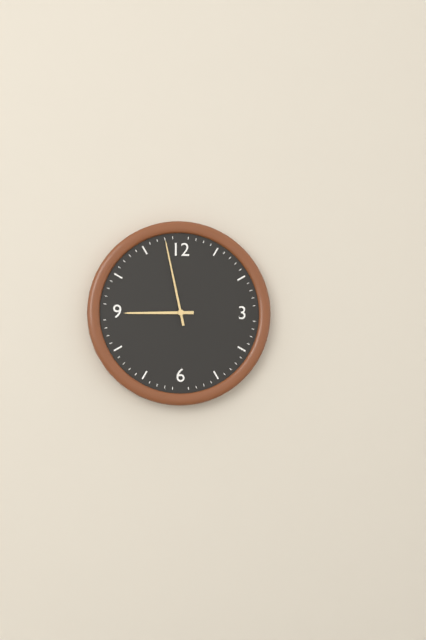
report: 8,58
